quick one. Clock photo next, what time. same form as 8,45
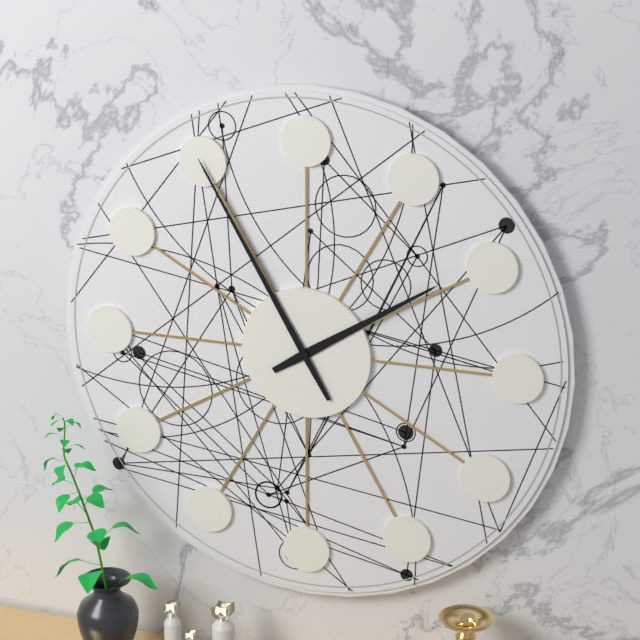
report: 1,55
